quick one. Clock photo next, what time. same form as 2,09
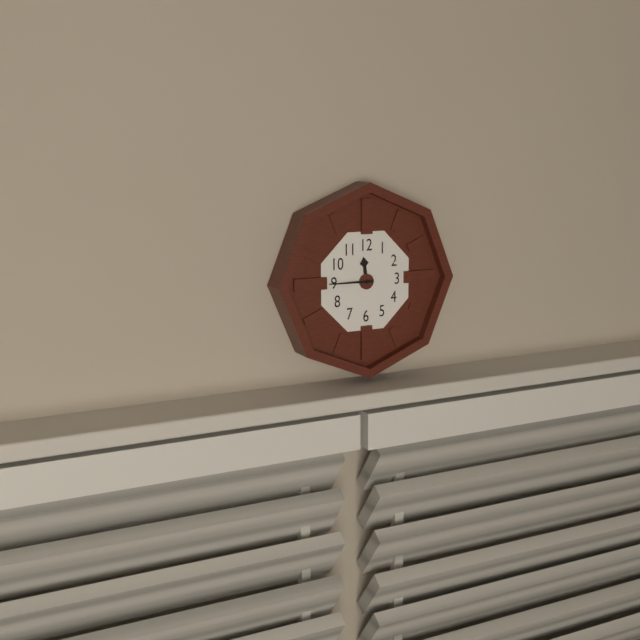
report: 11,45
